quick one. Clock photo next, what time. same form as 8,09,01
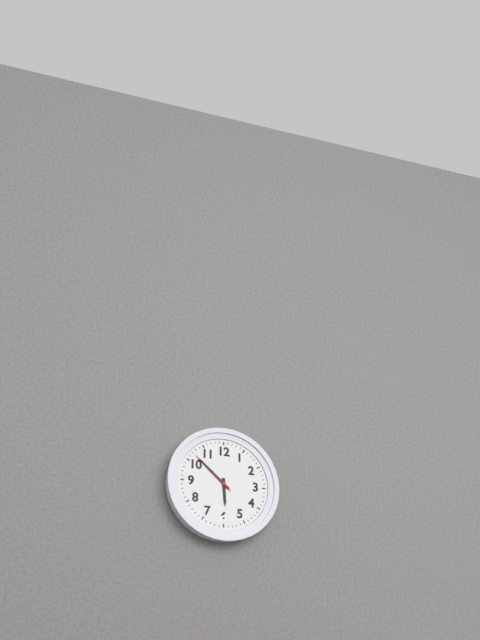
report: 5,52,52
